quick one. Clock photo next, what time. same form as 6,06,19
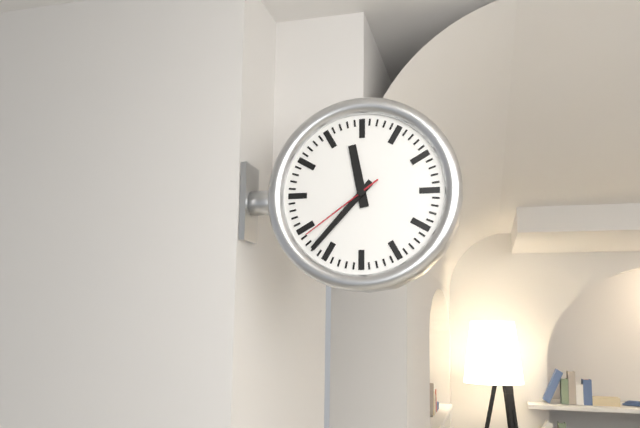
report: 11,37,39
